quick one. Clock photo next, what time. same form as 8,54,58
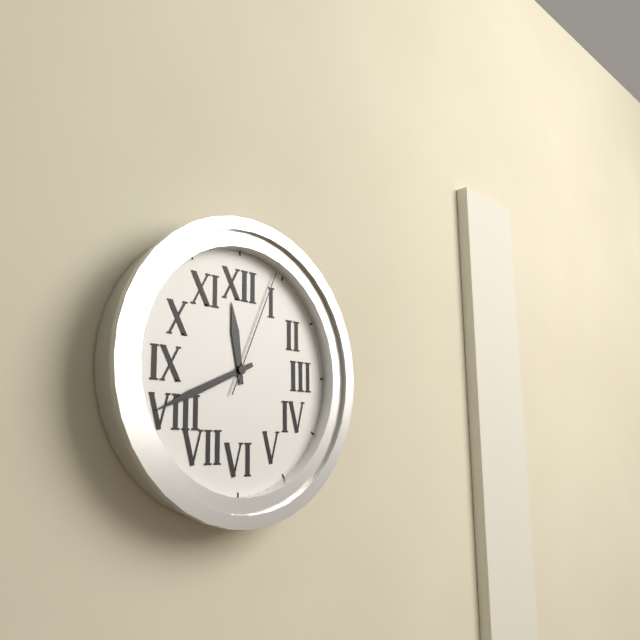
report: 11,41,04
